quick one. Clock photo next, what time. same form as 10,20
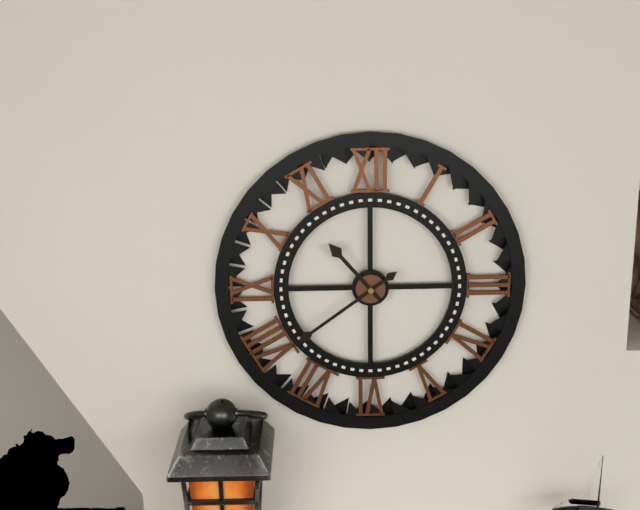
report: 10,39
